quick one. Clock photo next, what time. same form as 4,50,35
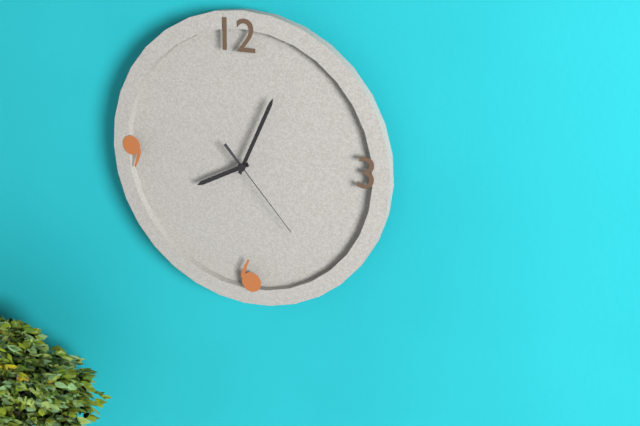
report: 8,04,23
